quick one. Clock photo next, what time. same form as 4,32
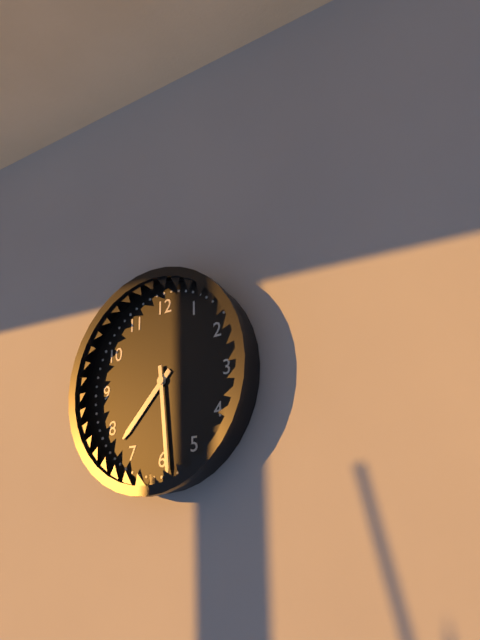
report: 7,29
